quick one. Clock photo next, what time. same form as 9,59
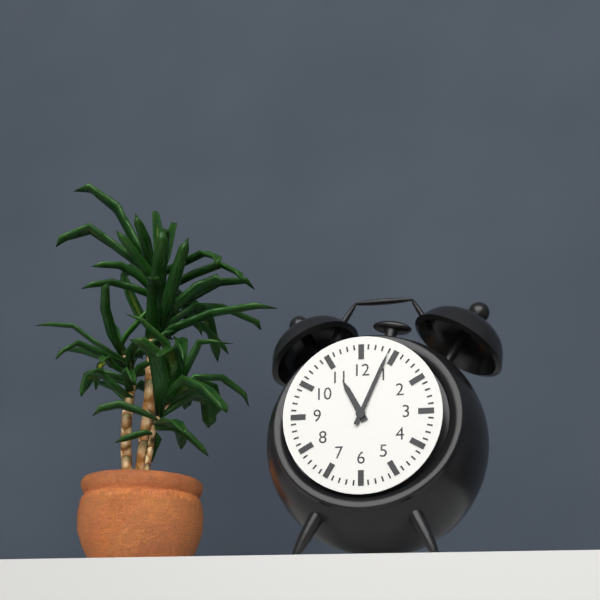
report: 11,04
